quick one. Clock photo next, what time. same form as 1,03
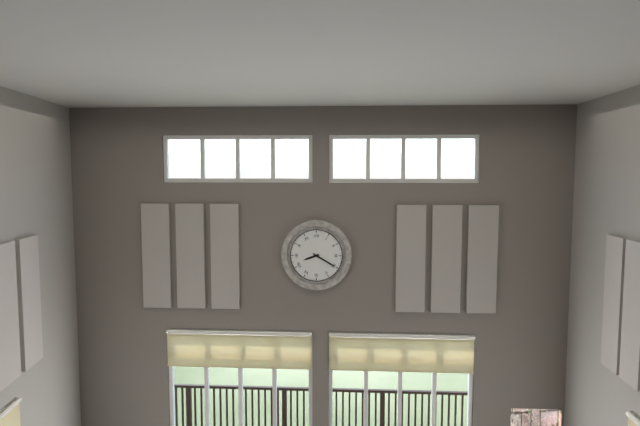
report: 8,20
